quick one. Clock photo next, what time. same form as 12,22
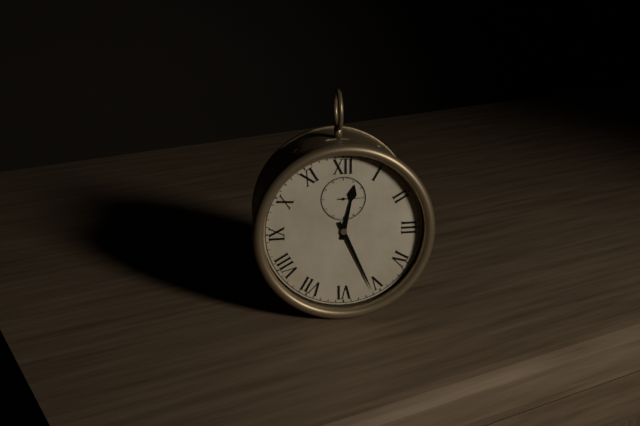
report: 12,26
